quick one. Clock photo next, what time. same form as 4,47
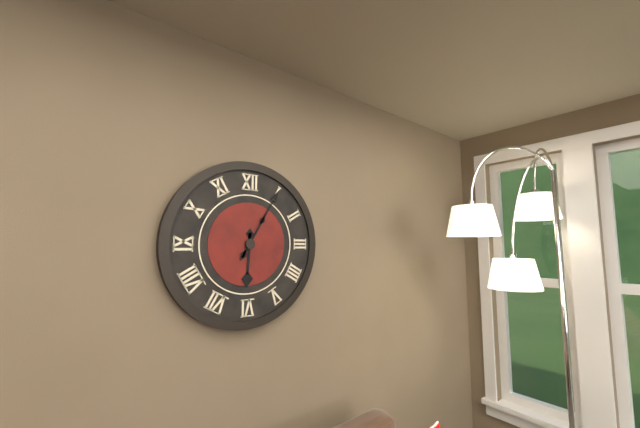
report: 6,05
